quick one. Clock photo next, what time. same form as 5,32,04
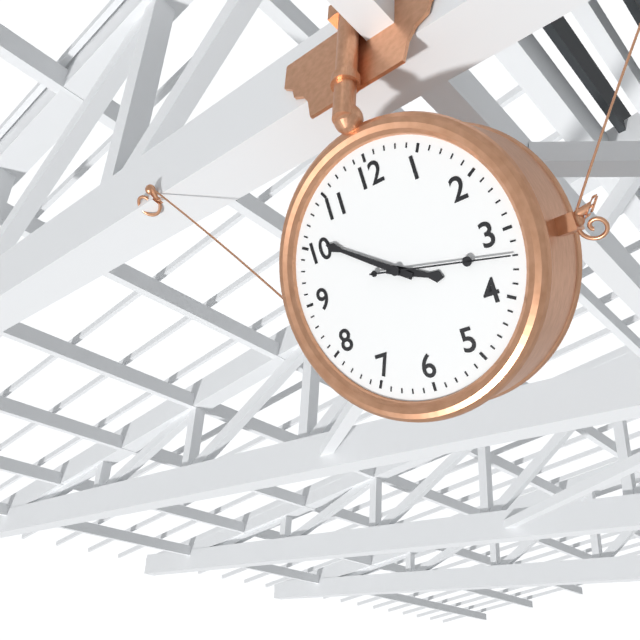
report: 3,51,17
